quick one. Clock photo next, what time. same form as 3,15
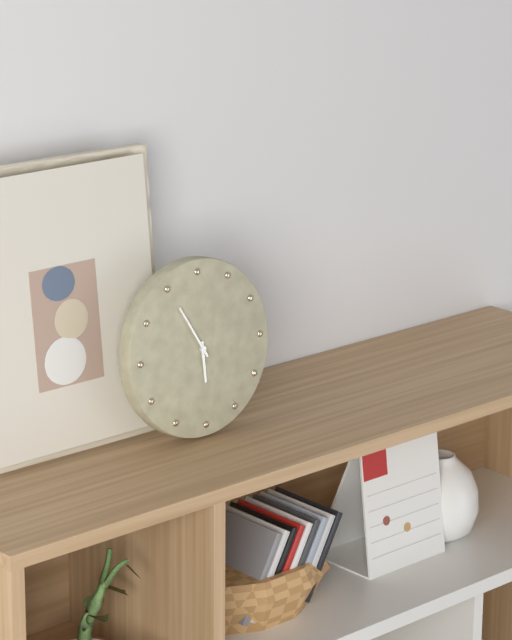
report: 5,55
